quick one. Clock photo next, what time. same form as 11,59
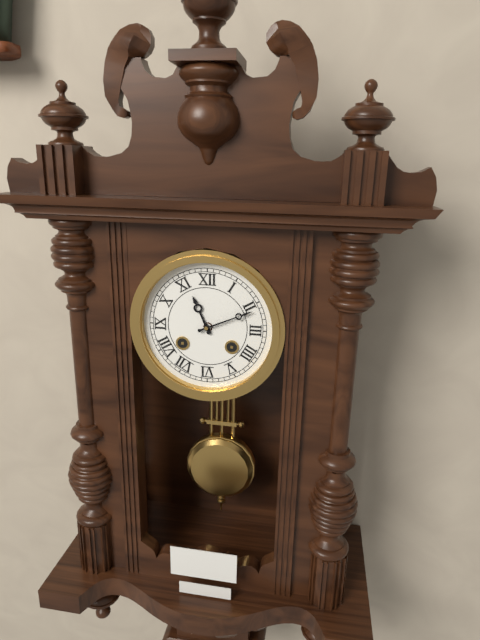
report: 11,11
